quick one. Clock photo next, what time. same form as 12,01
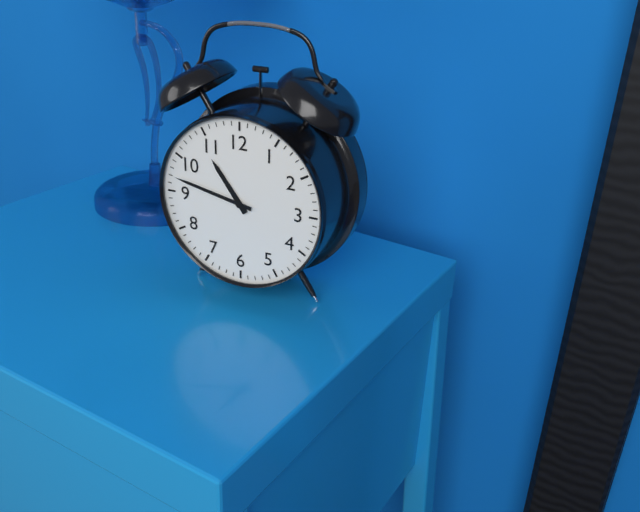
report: 10,47
